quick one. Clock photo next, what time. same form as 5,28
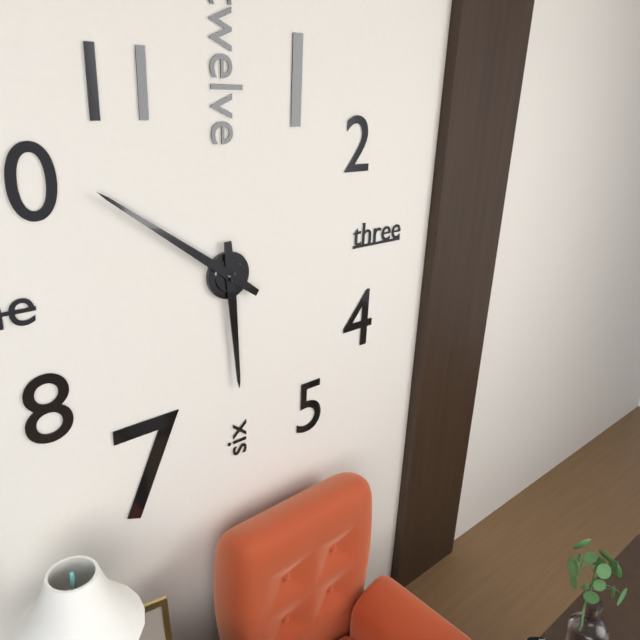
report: 5,51
